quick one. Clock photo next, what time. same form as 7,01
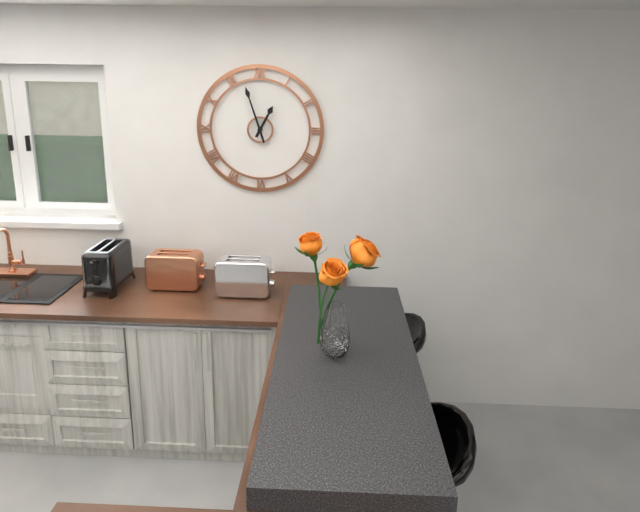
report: 12,57
